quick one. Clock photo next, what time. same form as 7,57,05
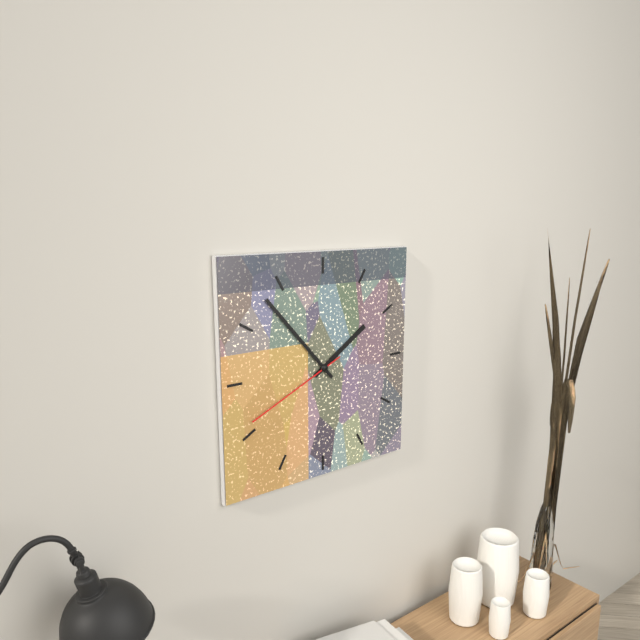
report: 1,53,41
